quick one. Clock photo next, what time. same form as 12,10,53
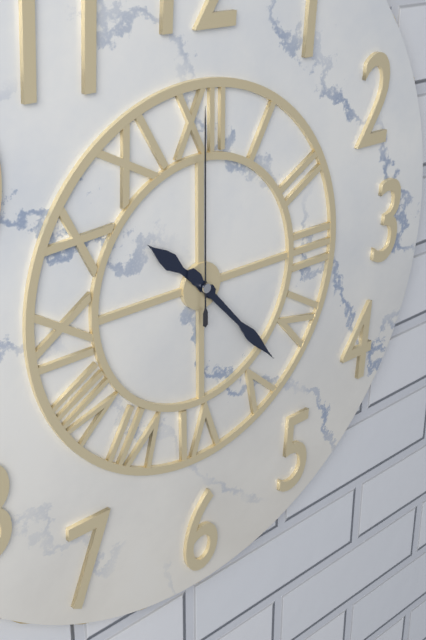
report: 10,23,00
